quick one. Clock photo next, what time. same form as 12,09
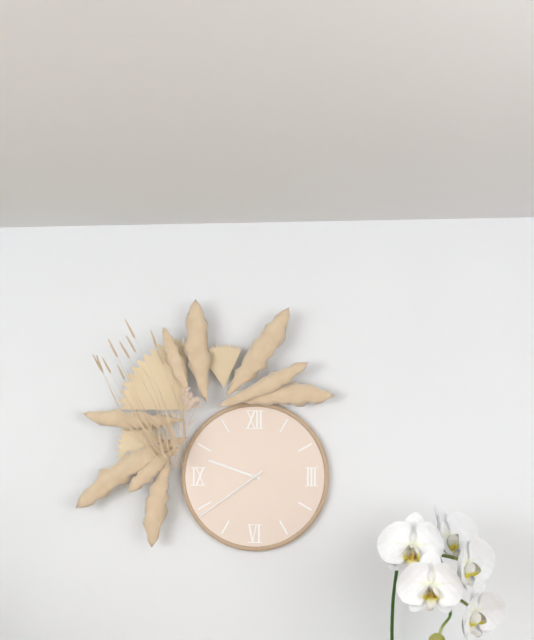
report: 9,39
